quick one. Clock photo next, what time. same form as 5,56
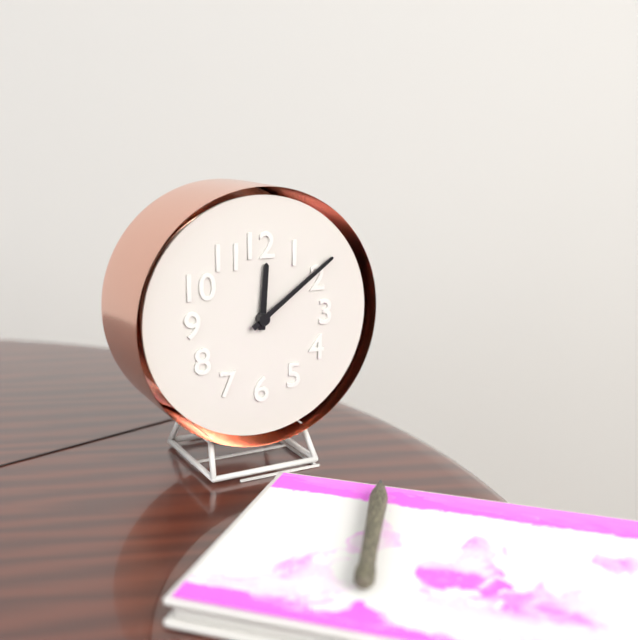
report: 12,09
